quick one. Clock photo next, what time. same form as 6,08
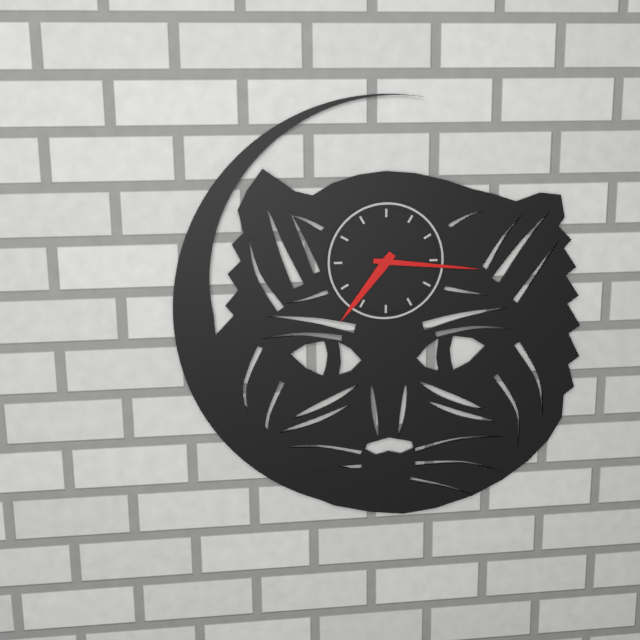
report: 7,16
